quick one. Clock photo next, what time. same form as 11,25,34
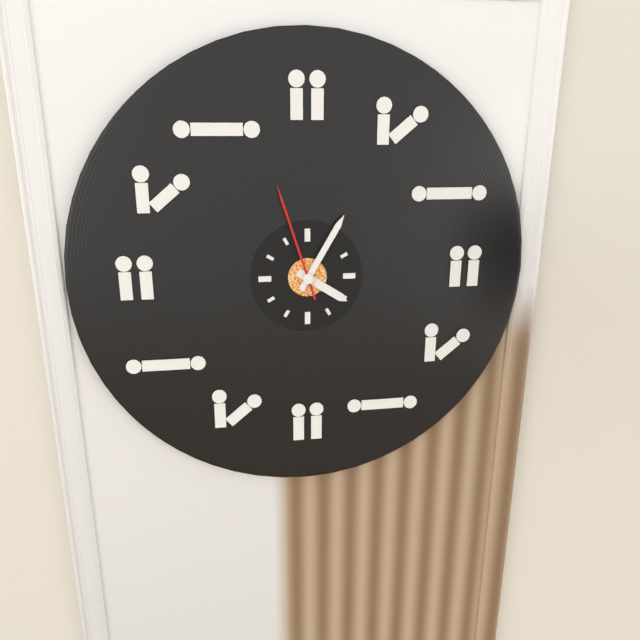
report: 4,05,57
